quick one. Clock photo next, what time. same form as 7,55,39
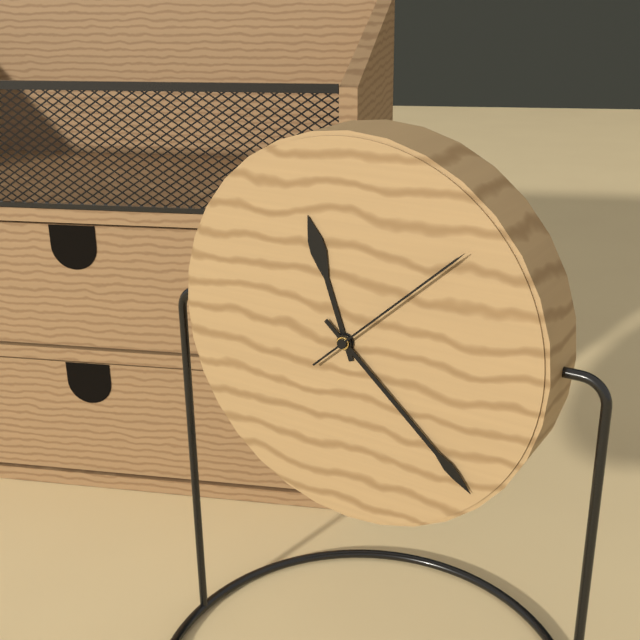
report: 11,22,08
